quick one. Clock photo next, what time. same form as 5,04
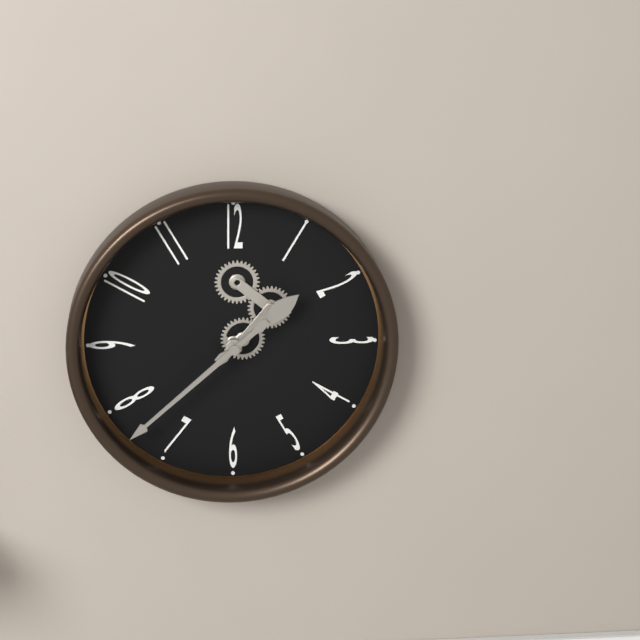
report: 1,38
